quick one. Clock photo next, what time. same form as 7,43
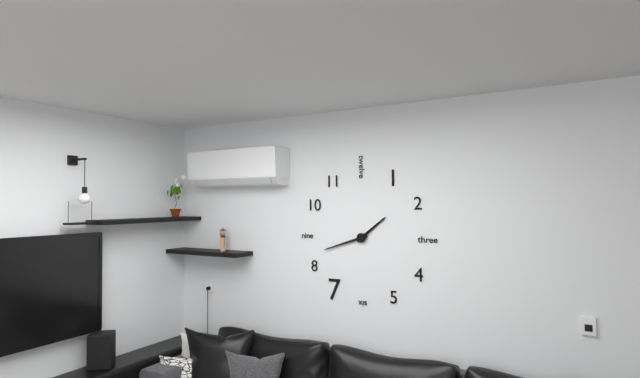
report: 1,42
